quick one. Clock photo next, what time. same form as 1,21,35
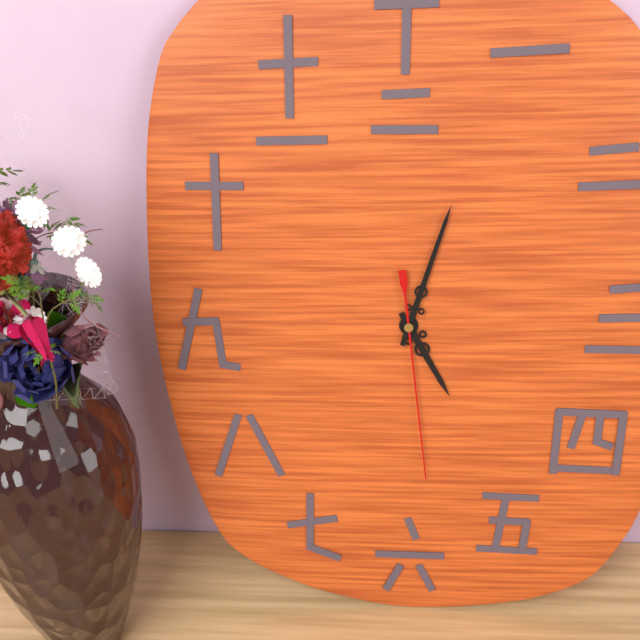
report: 5,03,29
